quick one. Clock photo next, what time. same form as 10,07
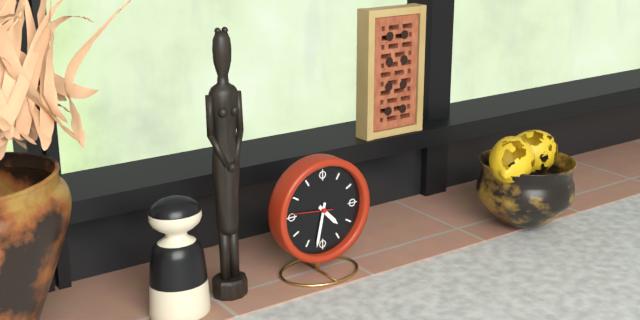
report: 4,32
